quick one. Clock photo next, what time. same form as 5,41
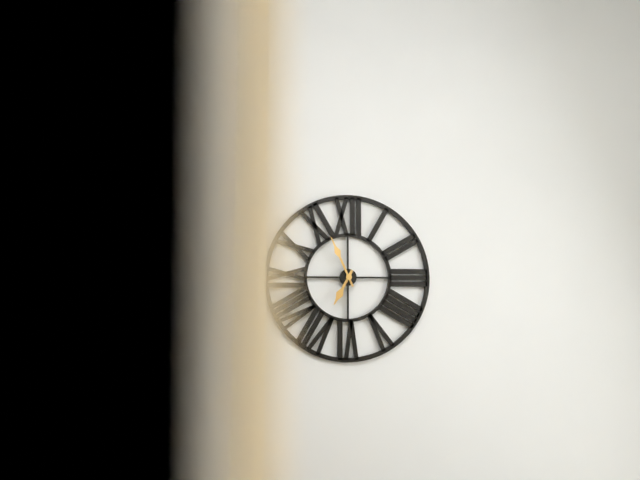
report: 6,56
